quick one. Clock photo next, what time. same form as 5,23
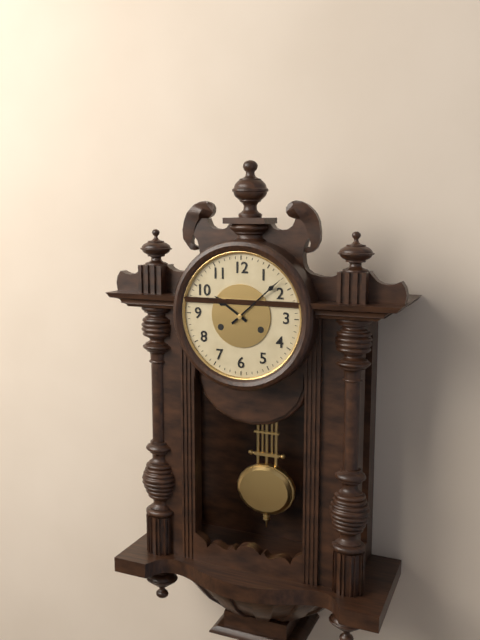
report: 10,08
